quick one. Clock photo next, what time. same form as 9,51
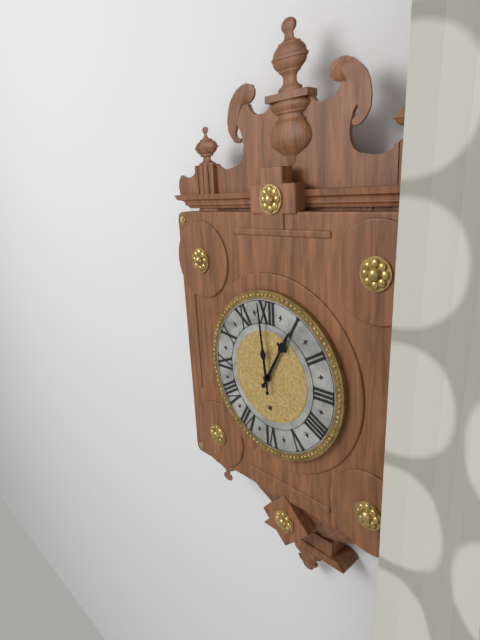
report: 12,59
